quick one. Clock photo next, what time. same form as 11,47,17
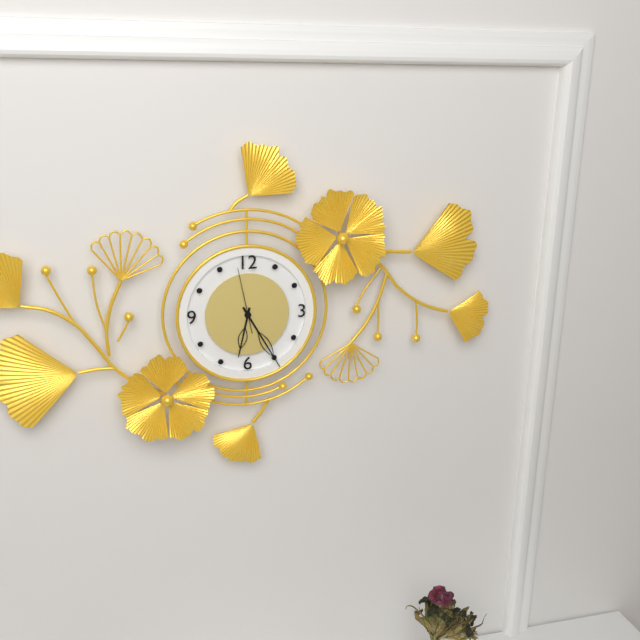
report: 6,25,58
